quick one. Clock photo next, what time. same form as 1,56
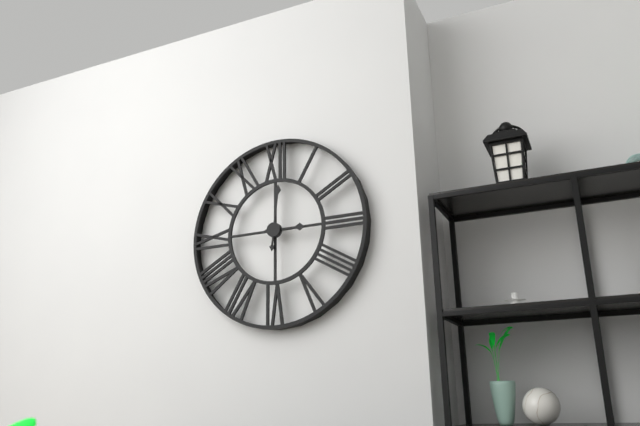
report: 3,01
